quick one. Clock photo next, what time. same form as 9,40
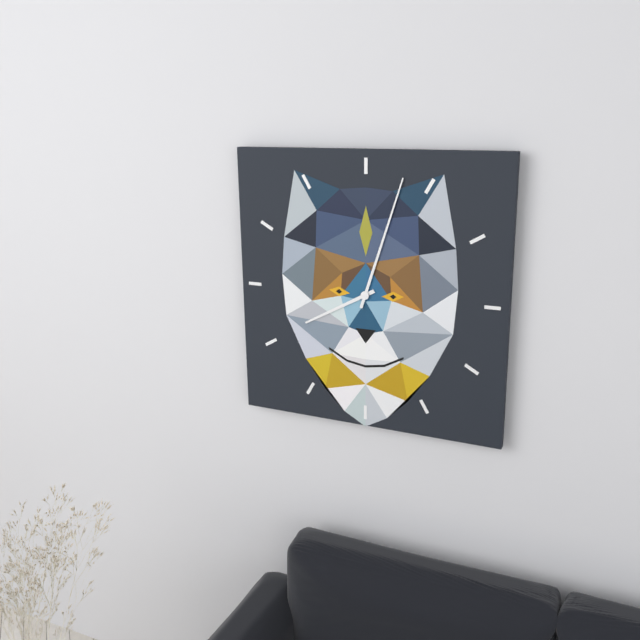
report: 8,03
